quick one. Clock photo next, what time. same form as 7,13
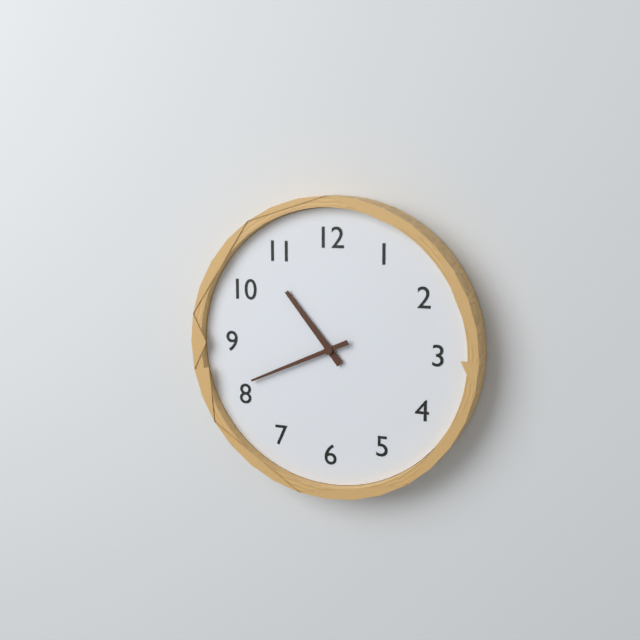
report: 10,41
